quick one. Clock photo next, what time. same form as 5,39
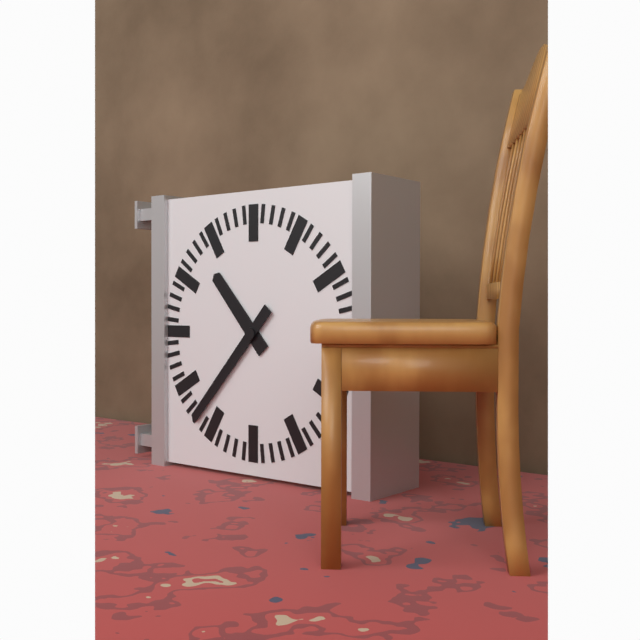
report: 10,37
